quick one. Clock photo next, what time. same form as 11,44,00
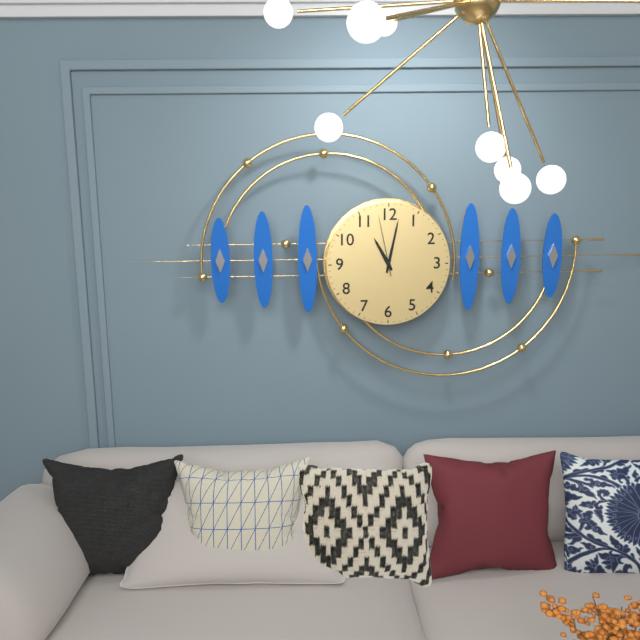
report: 11,02,58
